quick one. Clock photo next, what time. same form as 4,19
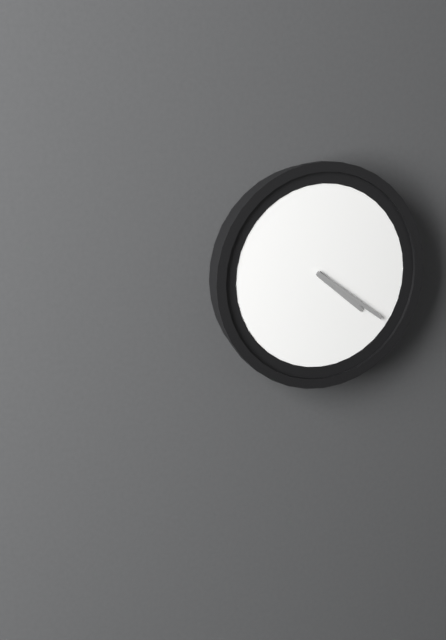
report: 4,21
